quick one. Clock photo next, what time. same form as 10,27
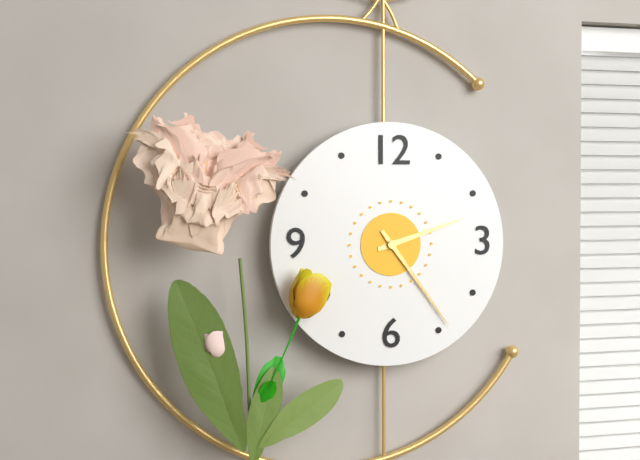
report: 2,24
